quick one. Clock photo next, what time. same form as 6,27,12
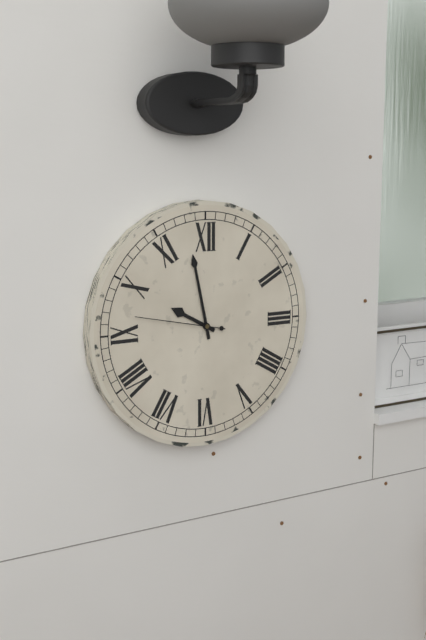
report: 9,58,47
